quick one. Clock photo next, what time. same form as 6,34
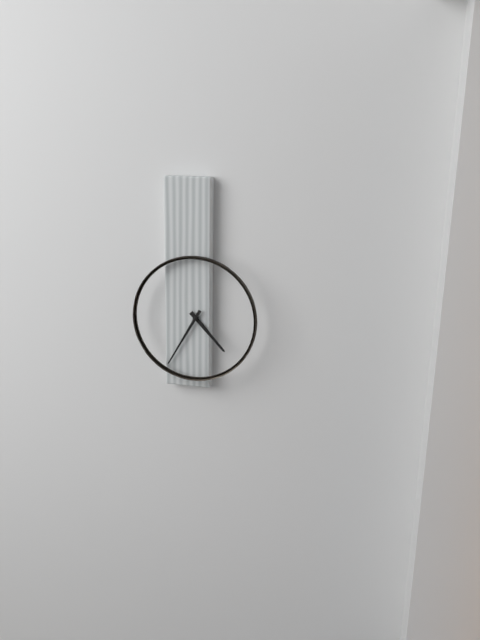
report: 4,35
